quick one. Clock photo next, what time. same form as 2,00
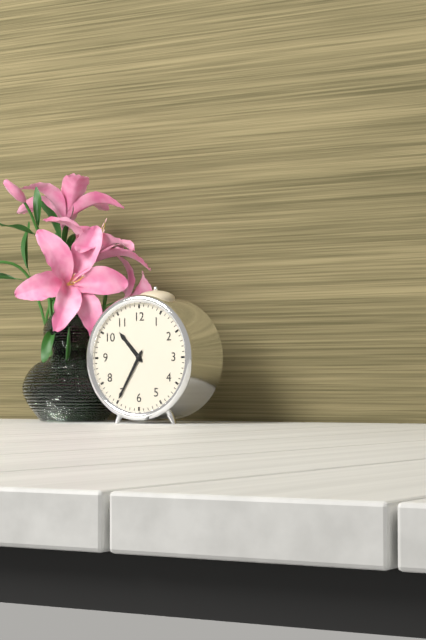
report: 10,35
